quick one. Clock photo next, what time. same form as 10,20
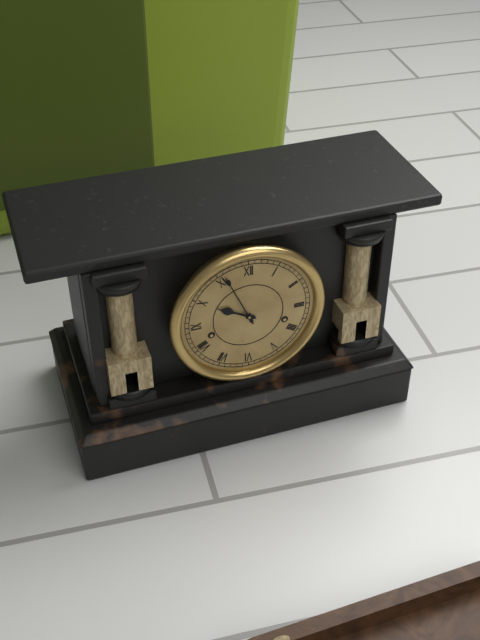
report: 9,56
